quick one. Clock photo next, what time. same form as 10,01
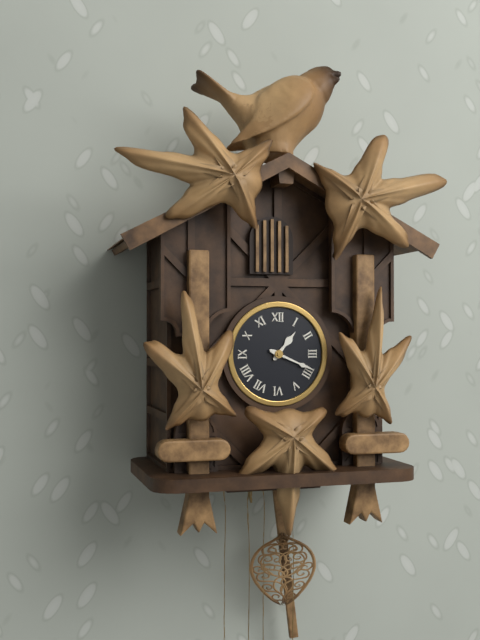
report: 1,19
